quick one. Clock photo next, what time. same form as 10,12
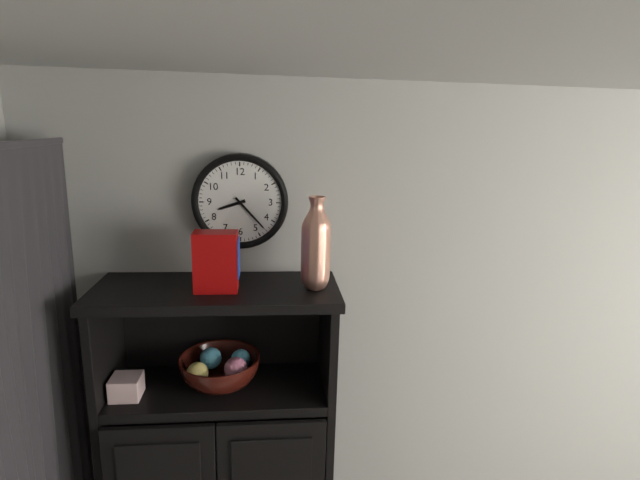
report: 8,23
